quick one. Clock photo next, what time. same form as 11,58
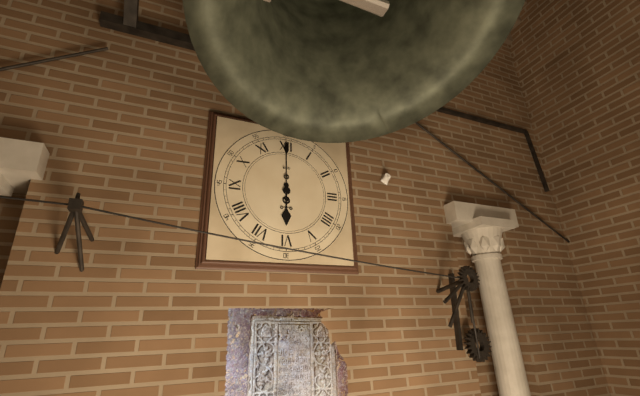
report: 6,00
